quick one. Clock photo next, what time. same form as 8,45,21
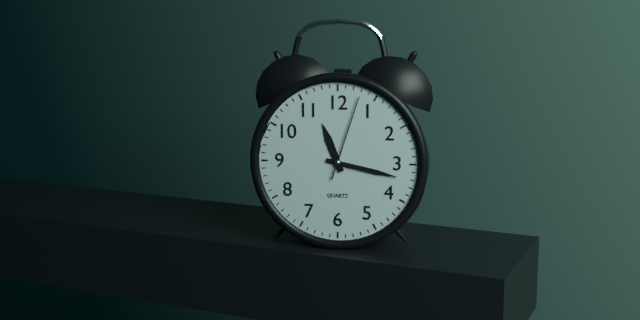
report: 11,17,03
